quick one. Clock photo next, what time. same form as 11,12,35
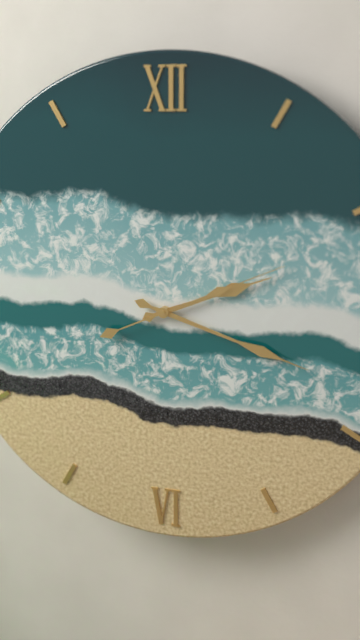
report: 2,18,11
